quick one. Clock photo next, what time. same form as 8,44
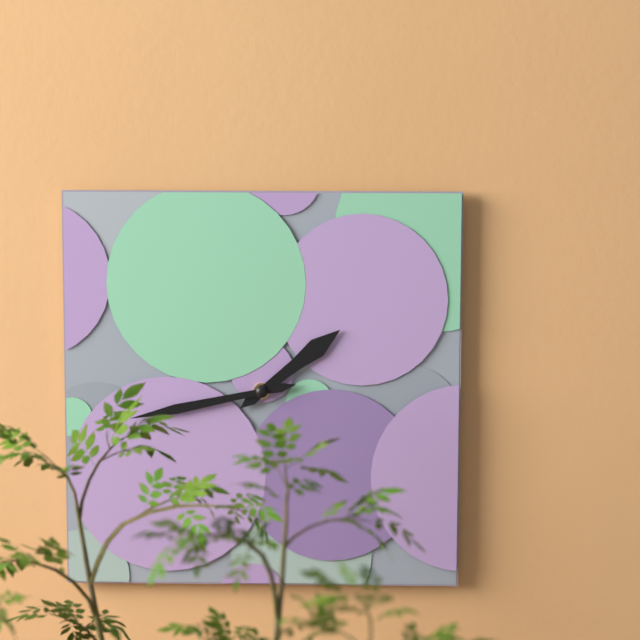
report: 1,43
